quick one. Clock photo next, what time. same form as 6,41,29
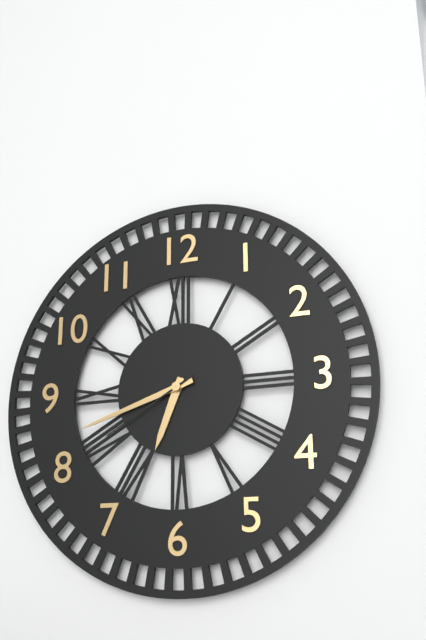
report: 6,42,40
